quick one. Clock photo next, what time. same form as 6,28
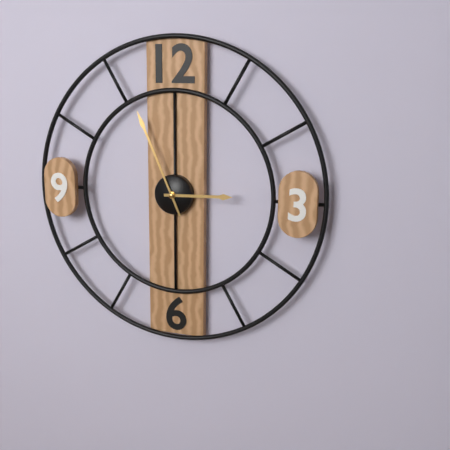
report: 2,56
